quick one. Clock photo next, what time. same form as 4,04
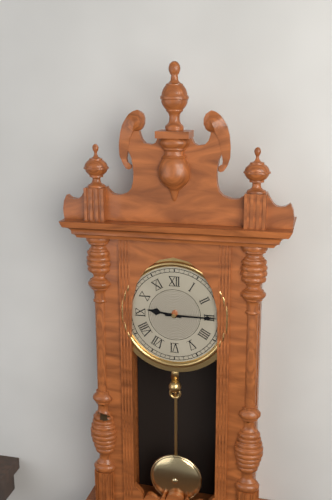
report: 9,15
